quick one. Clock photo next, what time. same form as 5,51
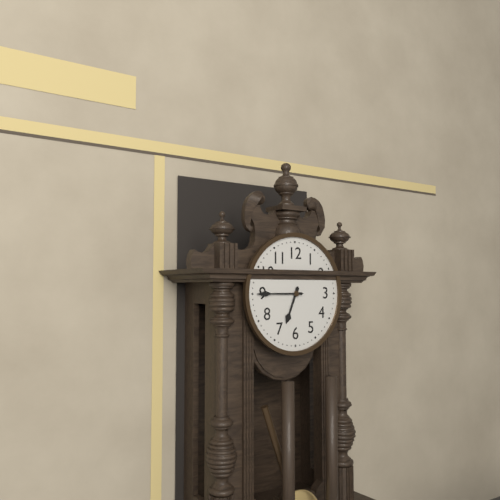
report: 6,45
